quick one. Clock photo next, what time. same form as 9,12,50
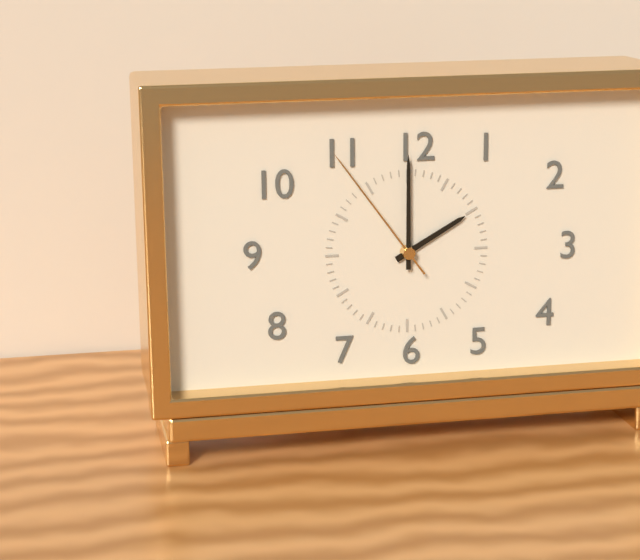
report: 2,00,54
